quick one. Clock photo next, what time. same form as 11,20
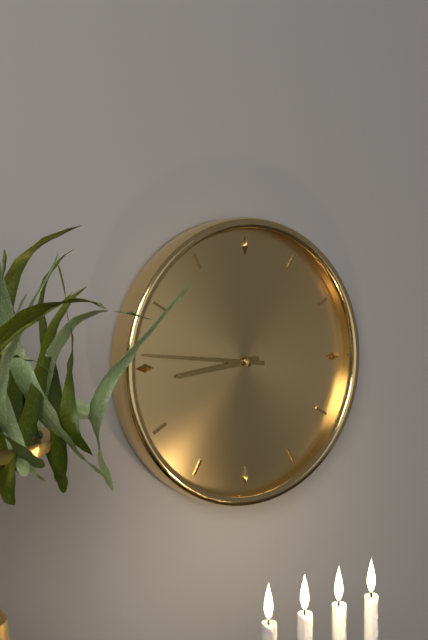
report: 8,46
